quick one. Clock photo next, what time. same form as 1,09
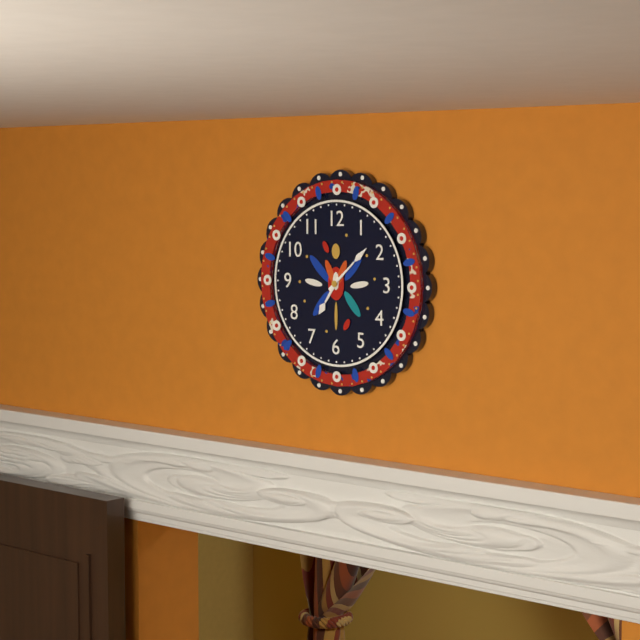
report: 7,08
